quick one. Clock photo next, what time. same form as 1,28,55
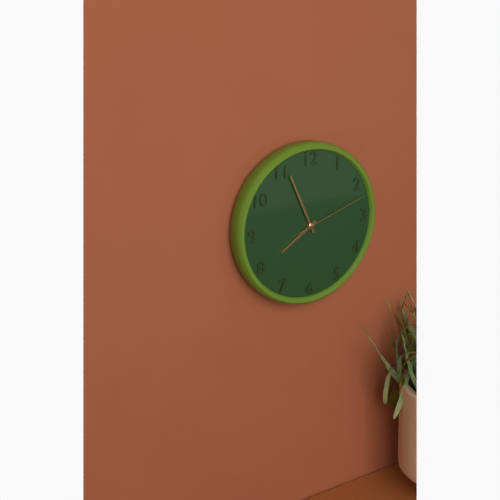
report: 7,56,12
